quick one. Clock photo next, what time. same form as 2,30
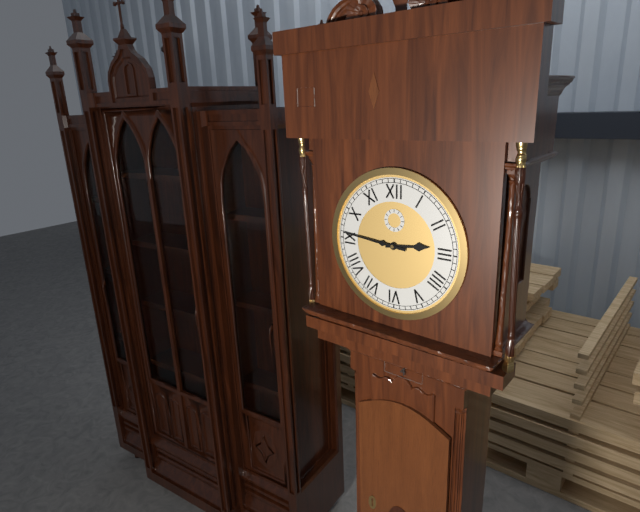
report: 2,46
